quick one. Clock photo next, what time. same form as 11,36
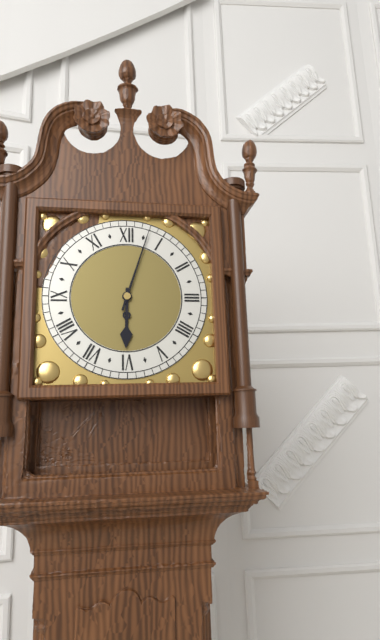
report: 6,03
